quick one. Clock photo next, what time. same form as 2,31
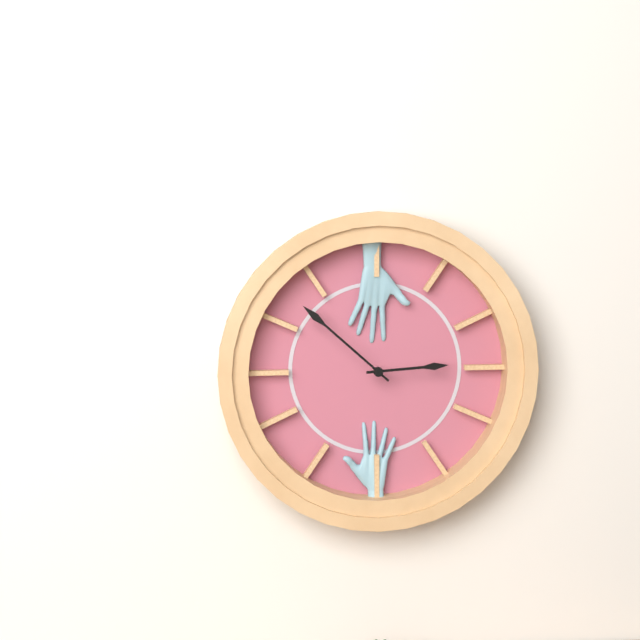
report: 2,52
